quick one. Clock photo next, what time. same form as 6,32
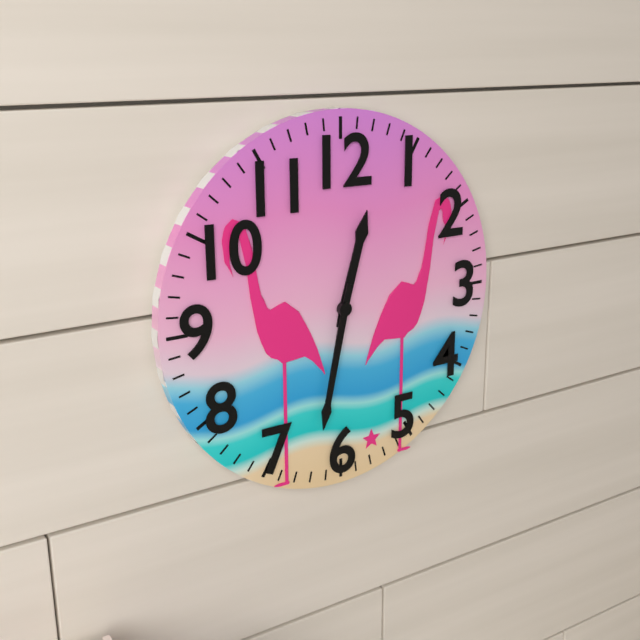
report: 12,32
